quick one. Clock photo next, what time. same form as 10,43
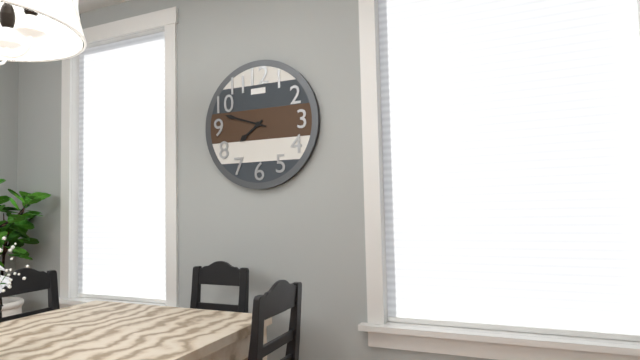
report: 7,48
